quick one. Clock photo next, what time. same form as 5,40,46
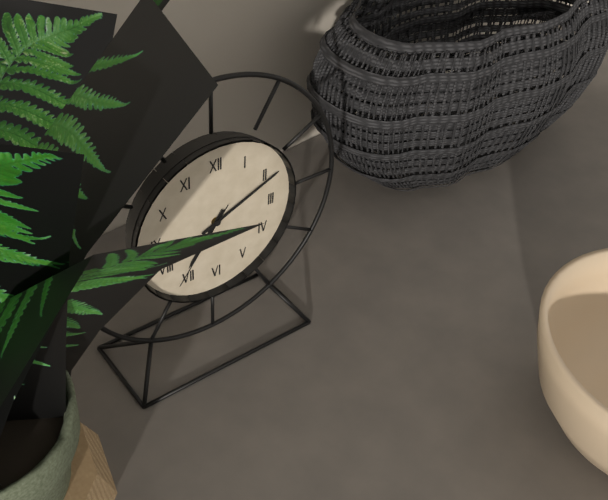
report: 7,11,36
